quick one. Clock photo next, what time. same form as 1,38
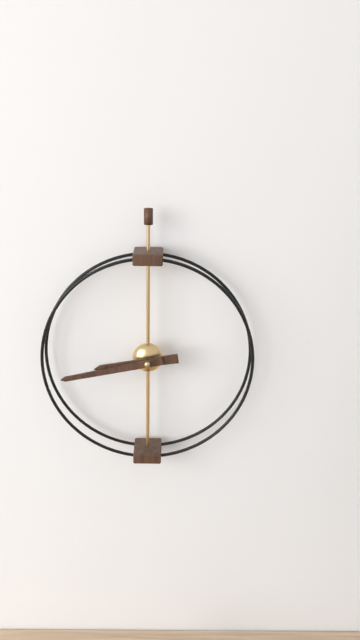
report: 8,43
